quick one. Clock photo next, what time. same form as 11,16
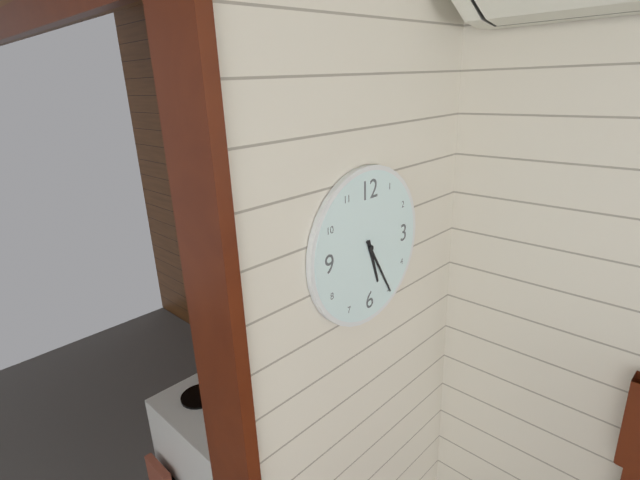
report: 5,25
